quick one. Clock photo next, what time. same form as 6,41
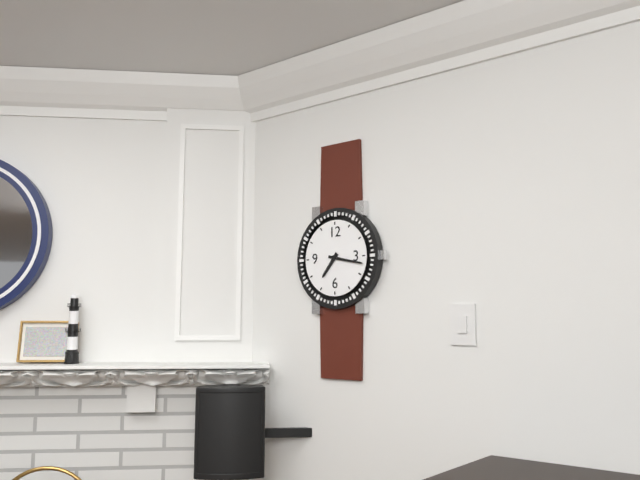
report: 7,17
